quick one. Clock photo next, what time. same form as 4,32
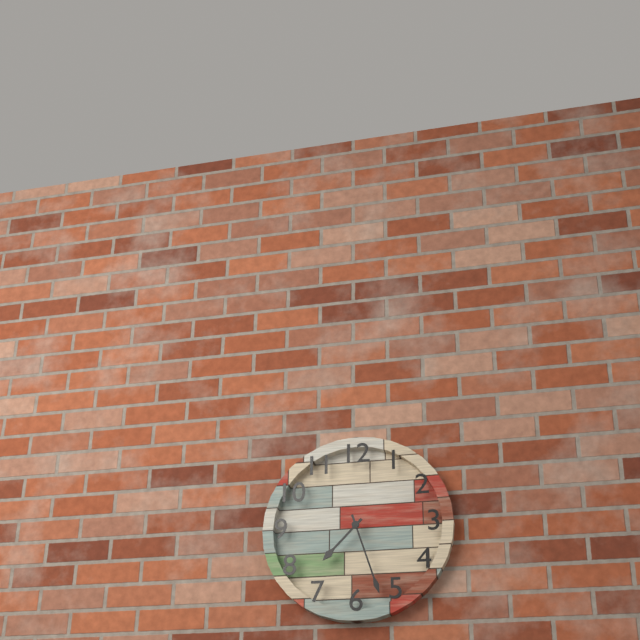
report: 7,27
